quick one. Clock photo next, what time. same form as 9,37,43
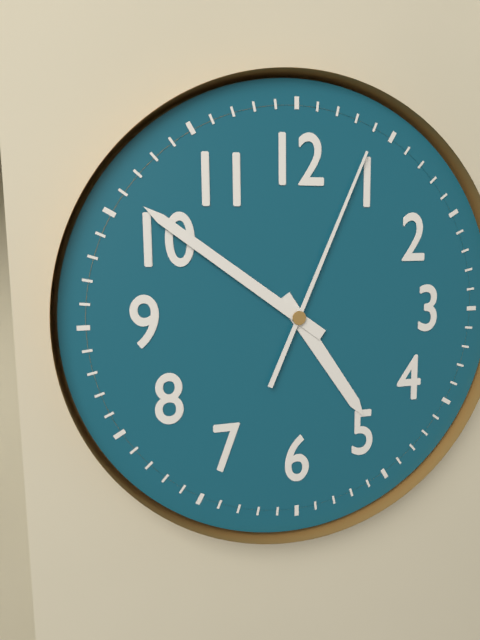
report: 4,51,04
